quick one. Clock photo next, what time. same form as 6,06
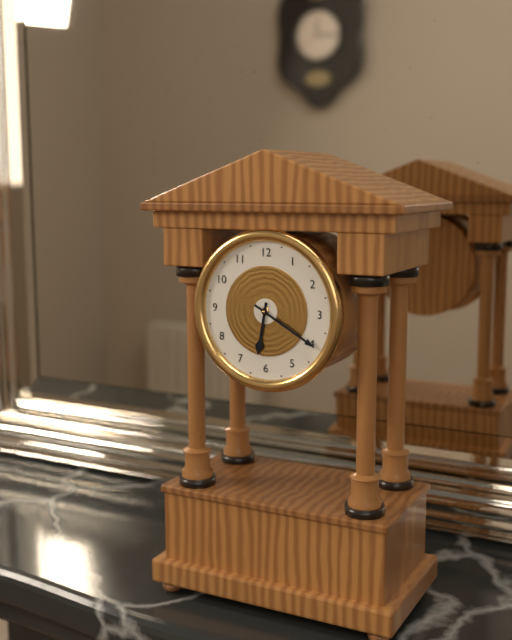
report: 6,20
